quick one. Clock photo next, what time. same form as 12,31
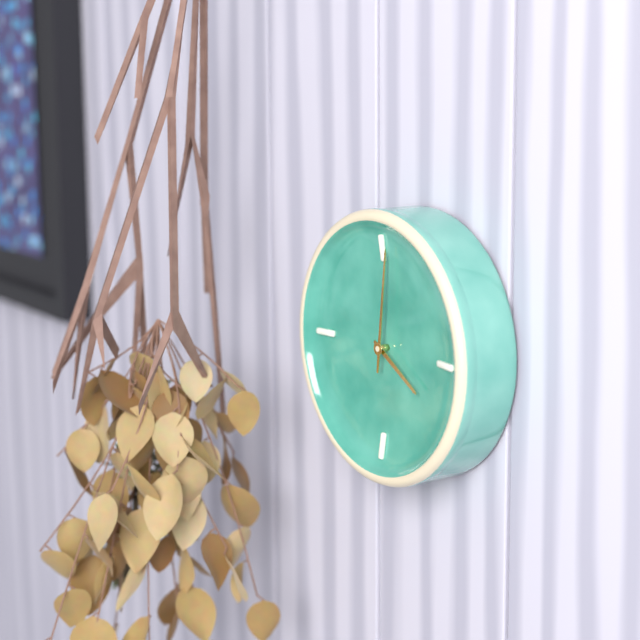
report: 4,01
